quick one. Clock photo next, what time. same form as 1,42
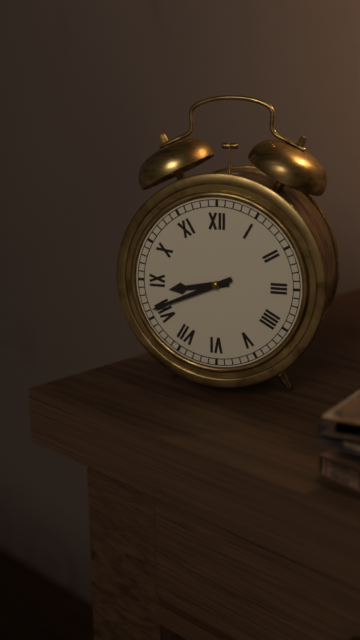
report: 8,41
